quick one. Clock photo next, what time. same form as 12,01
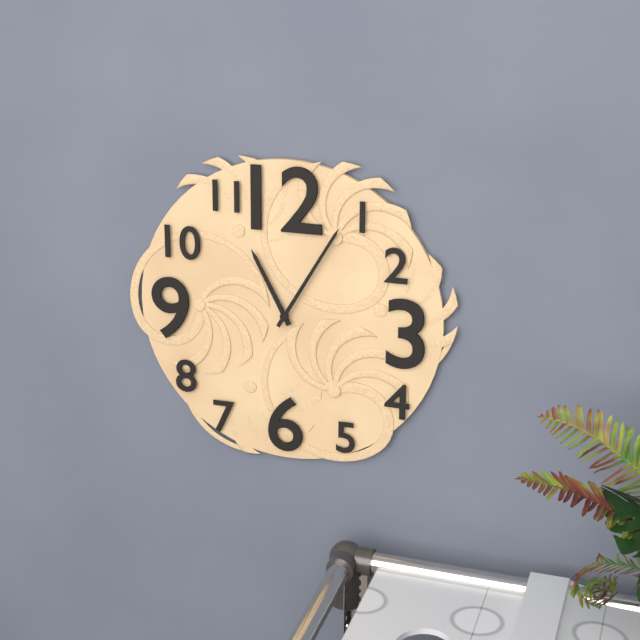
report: 11,05
